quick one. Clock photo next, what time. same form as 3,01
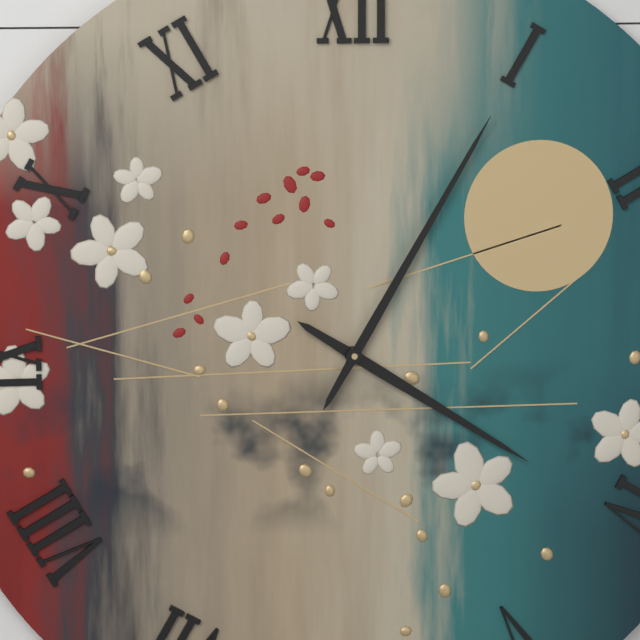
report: 4,05
